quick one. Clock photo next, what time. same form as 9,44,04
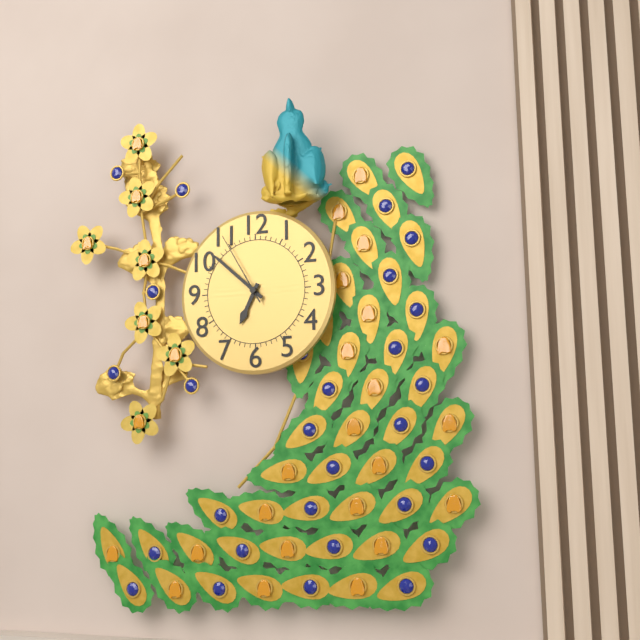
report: 6,52,55
